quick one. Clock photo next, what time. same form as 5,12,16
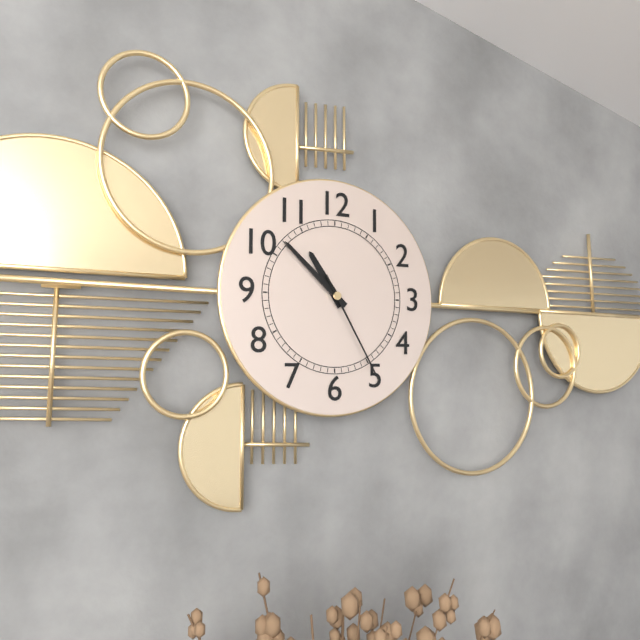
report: 10,52,25
